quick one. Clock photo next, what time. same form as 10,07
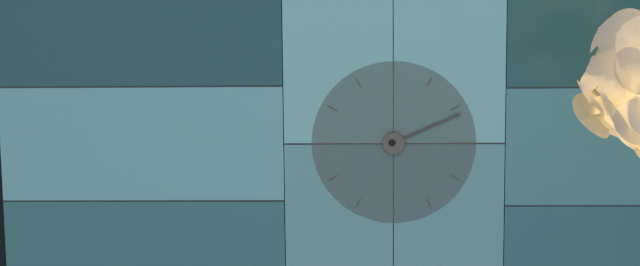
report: 2,11
